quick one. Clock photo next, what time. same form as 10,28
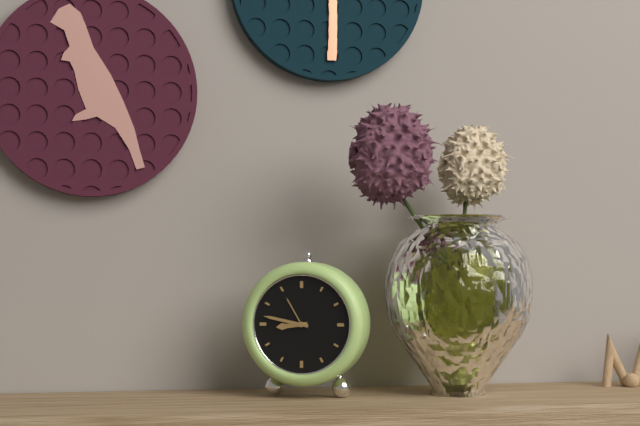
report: 8,47
